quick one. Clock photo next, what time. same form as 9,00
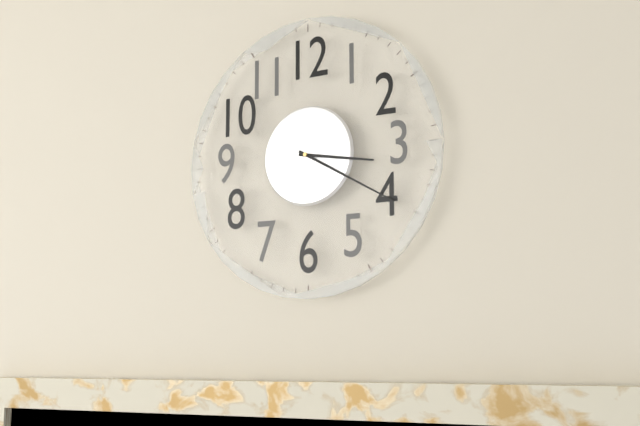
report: 3,20
